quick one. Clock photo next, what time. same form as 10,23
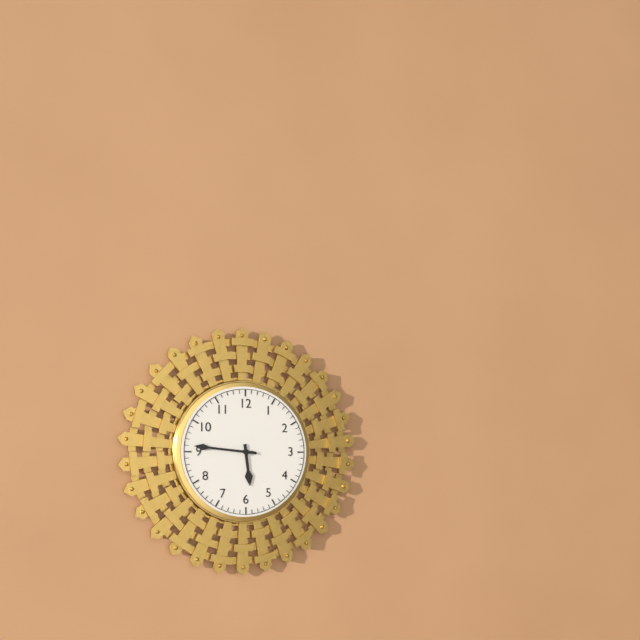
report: 5,46
